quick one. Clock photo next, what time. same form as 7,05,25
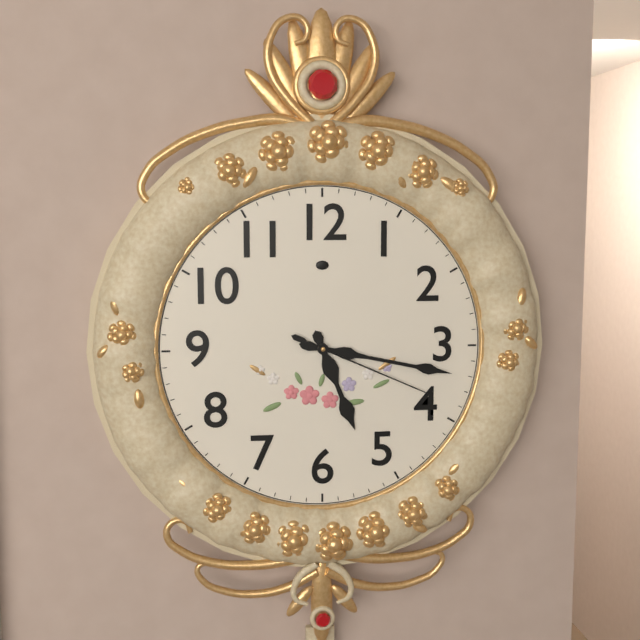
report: 5,17,19
